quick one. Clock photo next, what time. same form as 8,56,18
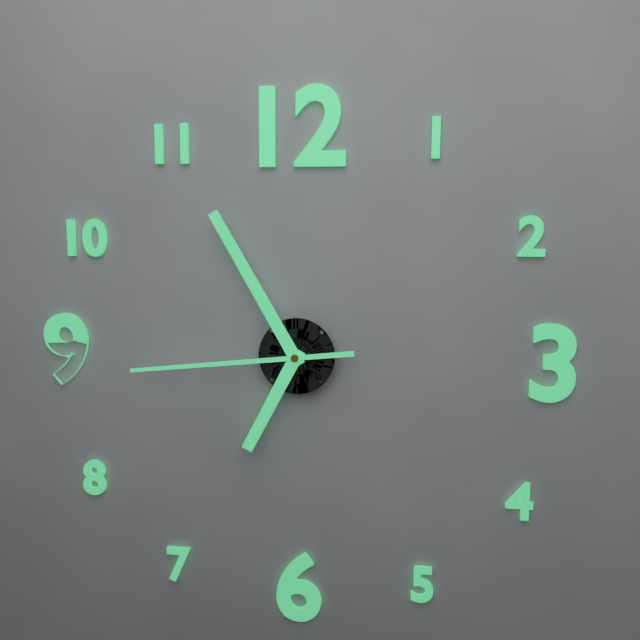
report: 6,55,44
